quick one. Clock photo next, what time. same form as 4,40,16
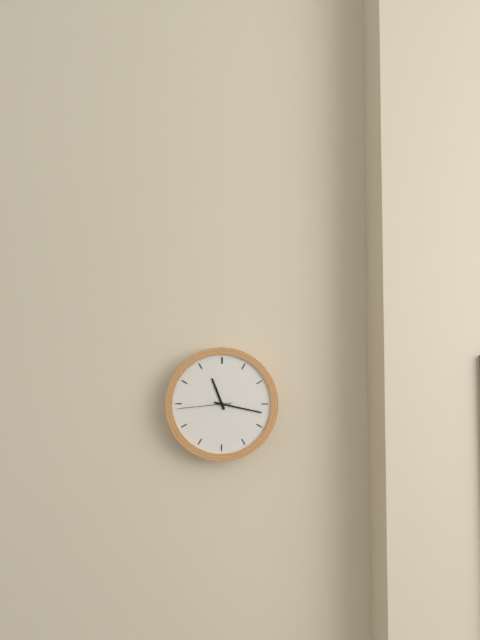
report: 11,17,44
